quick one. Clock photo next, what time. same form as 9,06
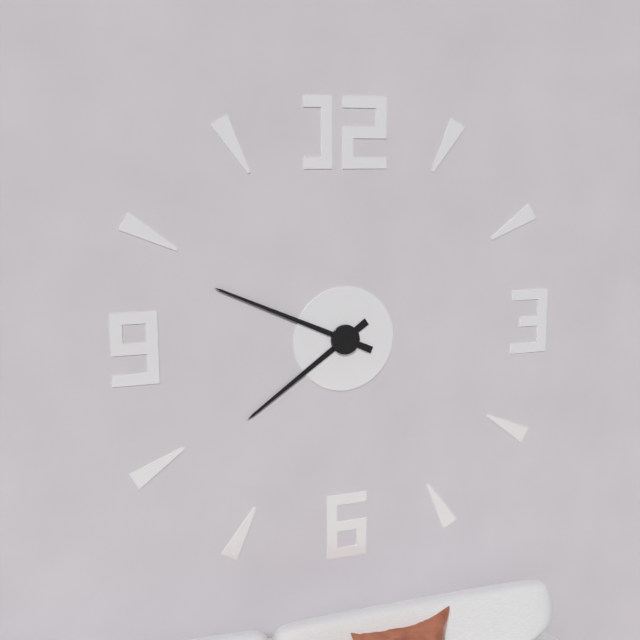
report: 7,49
